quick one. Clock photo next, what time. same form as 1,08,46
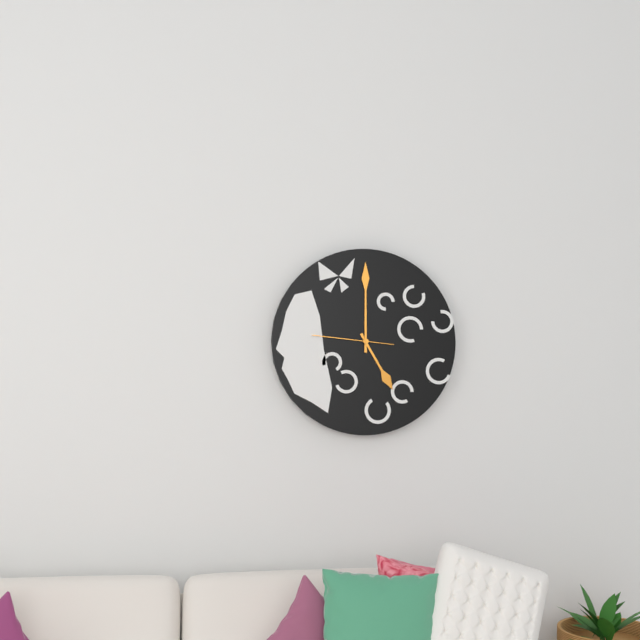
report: 5,00,46
